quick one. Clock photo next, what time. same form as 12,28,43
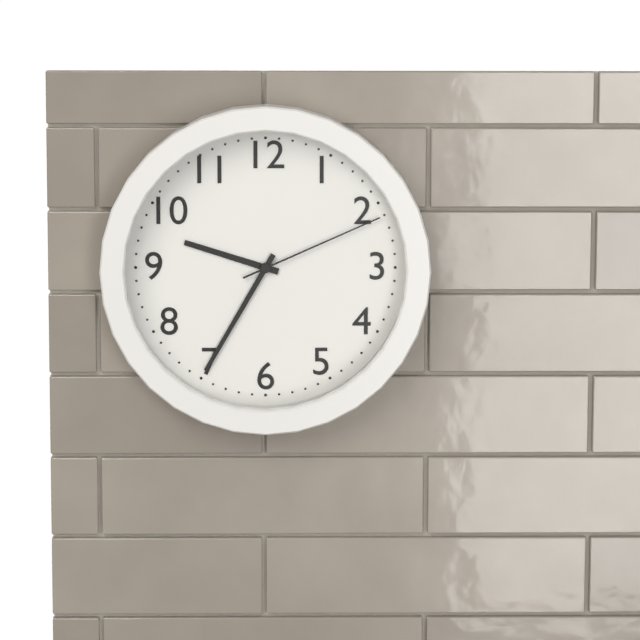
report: 9,35,11
